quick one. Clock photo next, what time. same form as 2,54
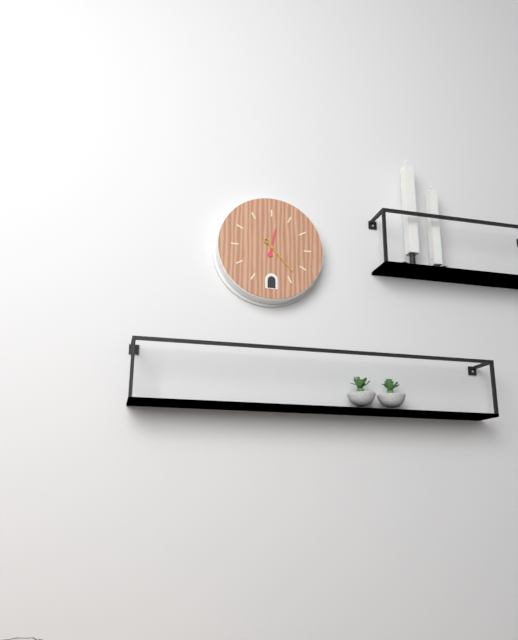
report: 12,23
